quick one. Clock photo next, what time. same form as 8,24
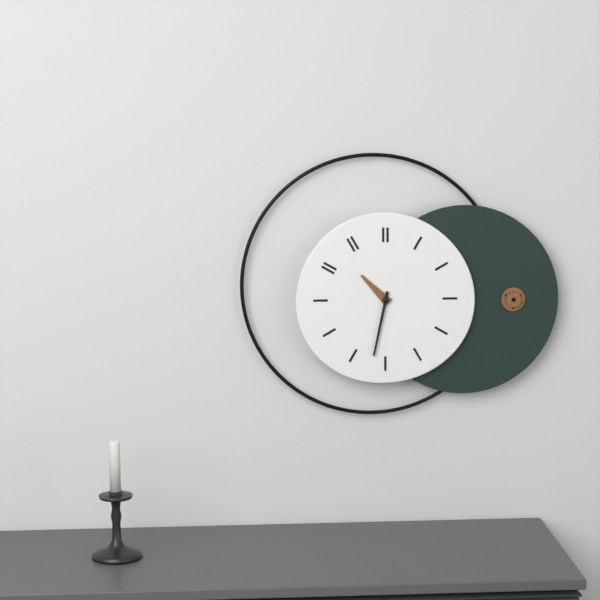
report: 10,32
